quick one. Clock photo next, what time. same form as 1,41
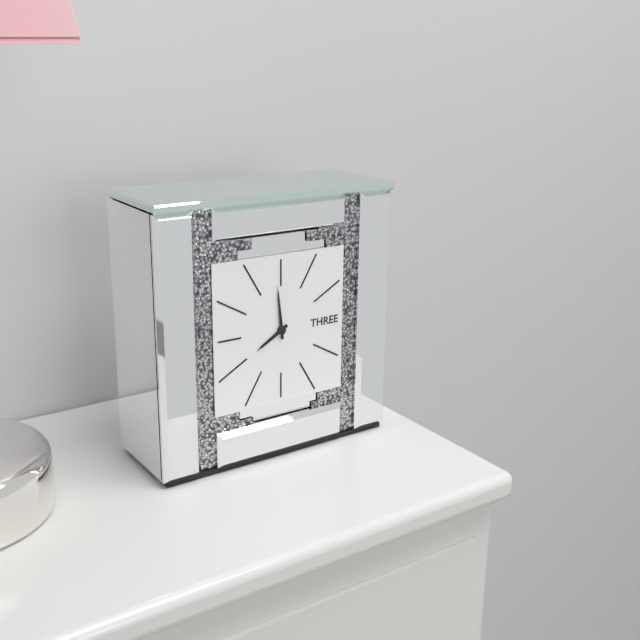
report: 7,59
